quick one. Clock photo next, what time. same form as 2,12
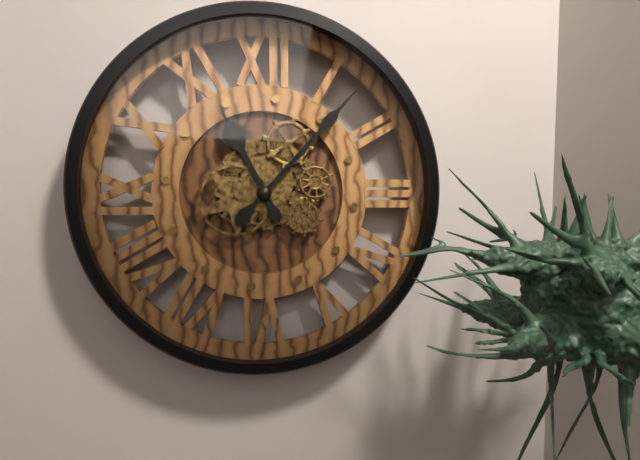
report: 11,07
